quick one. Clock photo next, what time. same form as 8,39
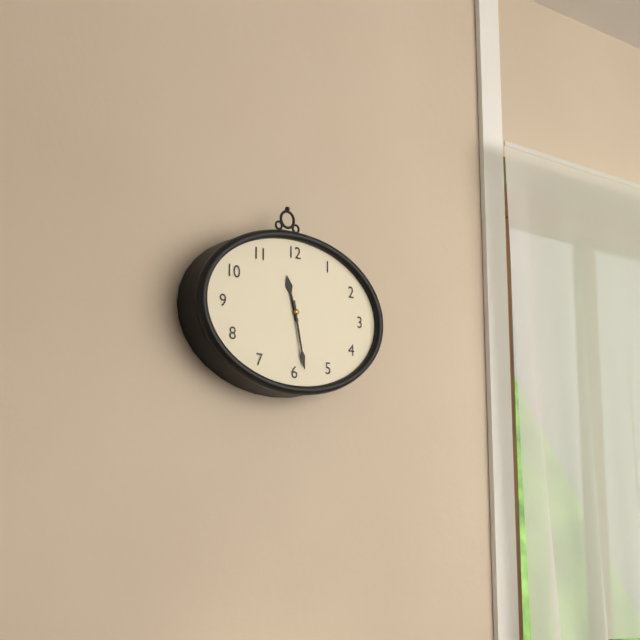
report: 11,28
